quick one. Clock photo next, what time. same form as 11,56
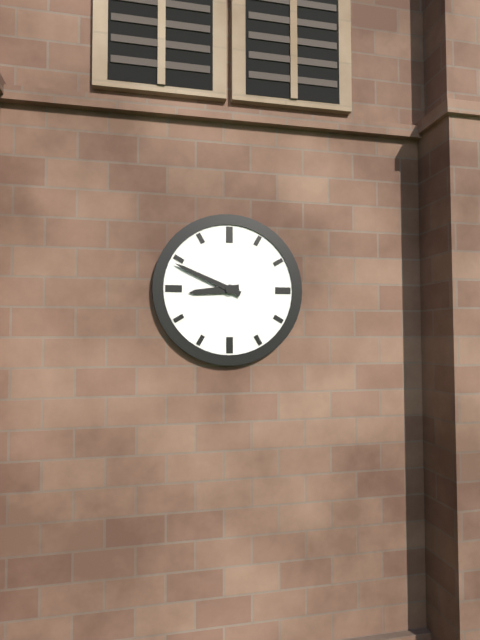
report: 8,49
